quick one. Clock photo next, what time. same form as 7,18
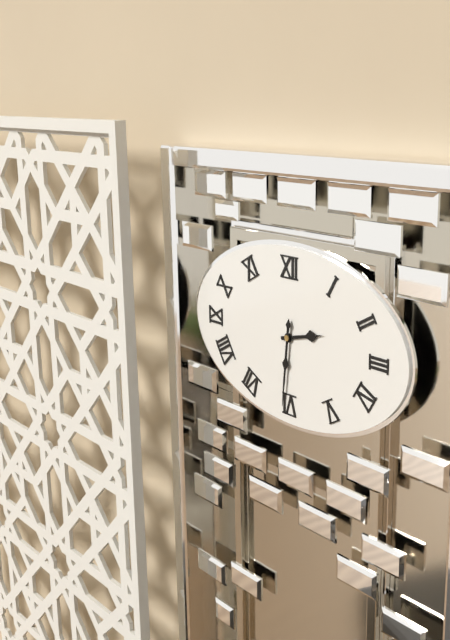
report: 2,31
